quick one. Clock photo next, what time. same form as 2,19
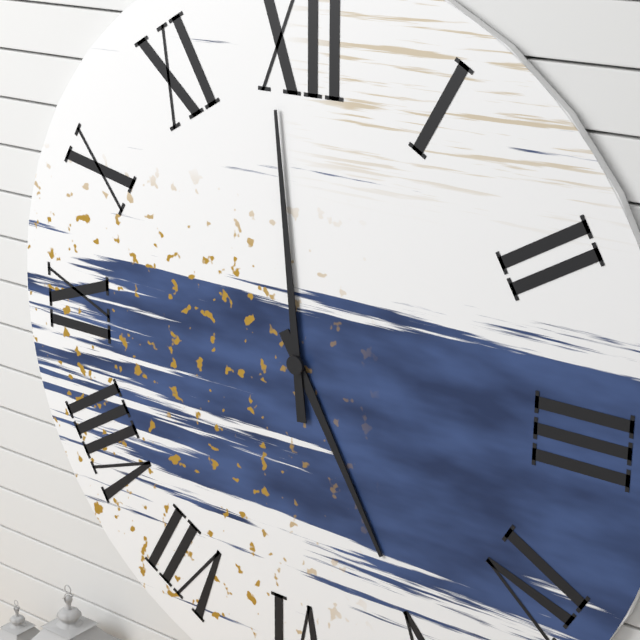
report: 4,59
